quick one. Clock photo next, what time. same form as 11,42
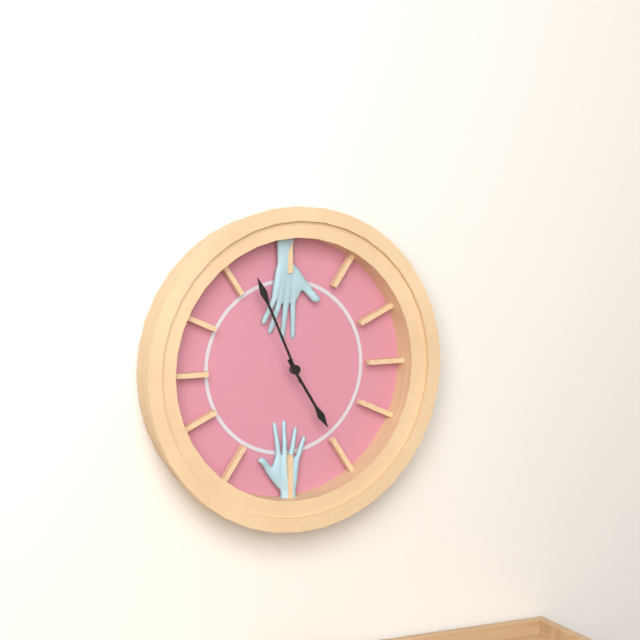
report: 4,56
